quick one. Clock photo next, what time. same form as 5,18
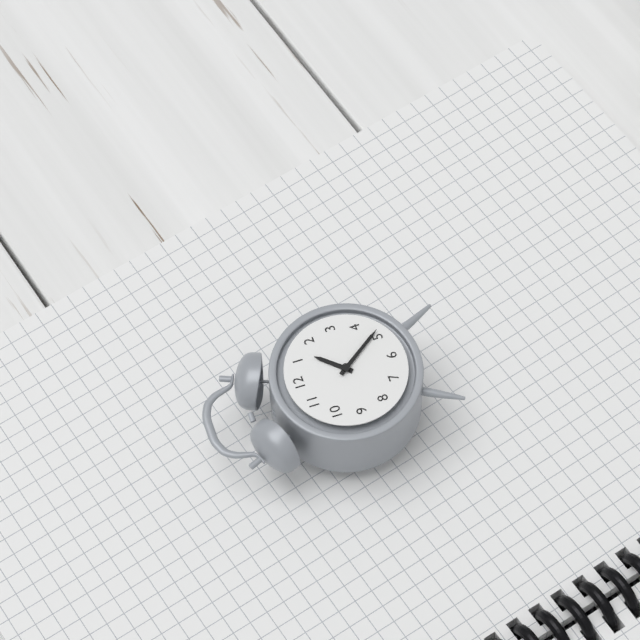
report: 1,24
